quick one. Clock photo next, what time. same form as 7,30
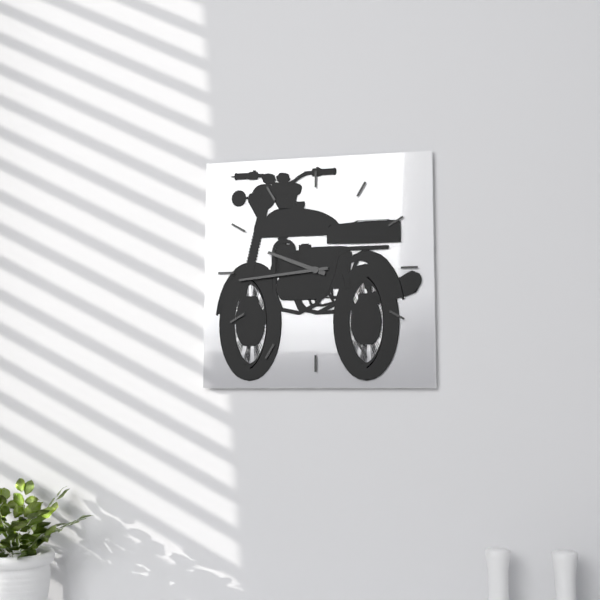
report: 9,44
